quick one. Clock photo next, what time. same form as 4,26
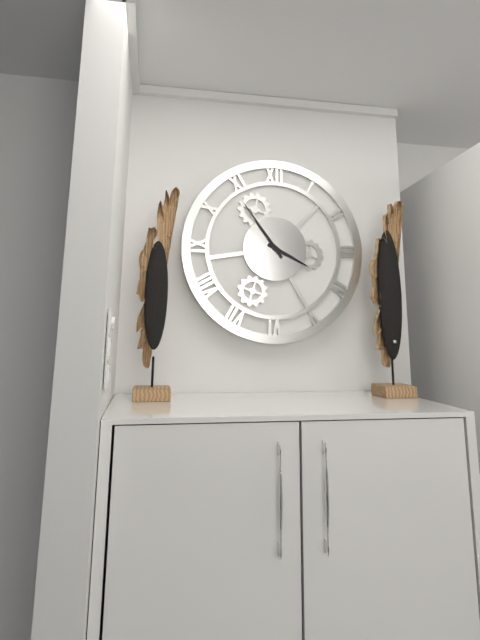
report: 3,54
